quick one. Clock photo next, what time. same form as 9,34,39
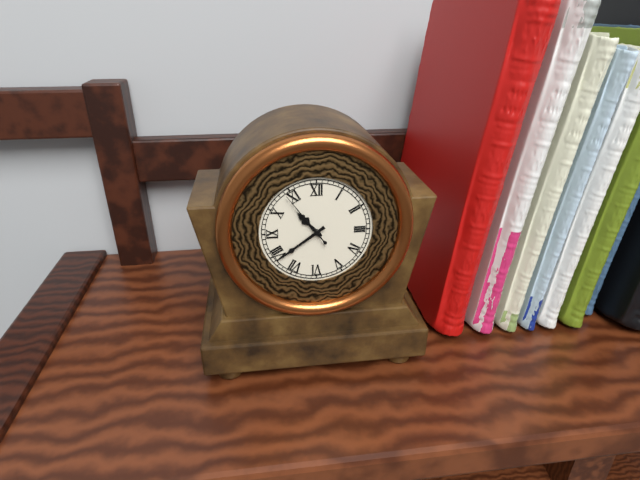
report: 10,39,54
